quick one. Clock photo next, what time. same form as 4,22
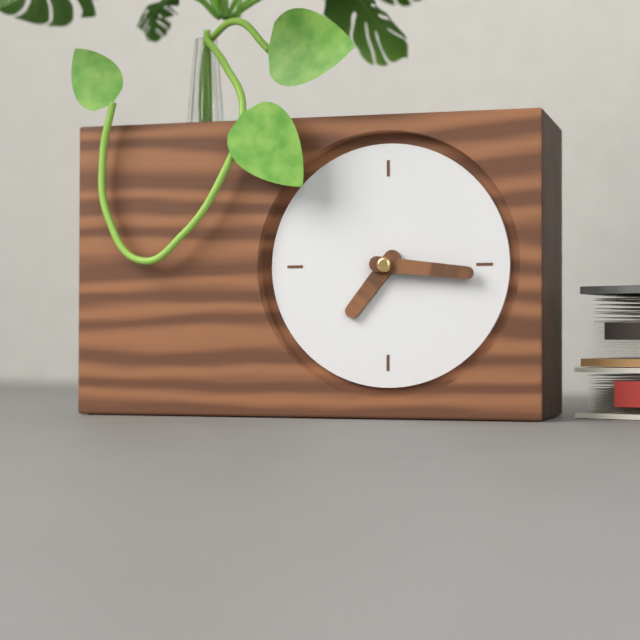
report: 7,16
